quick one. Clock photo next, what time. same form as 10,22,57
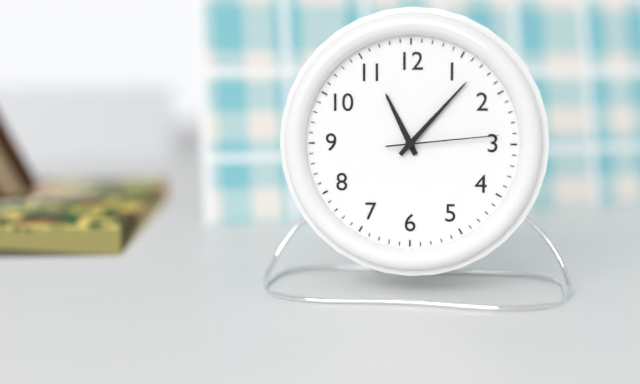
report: 11,07,14
